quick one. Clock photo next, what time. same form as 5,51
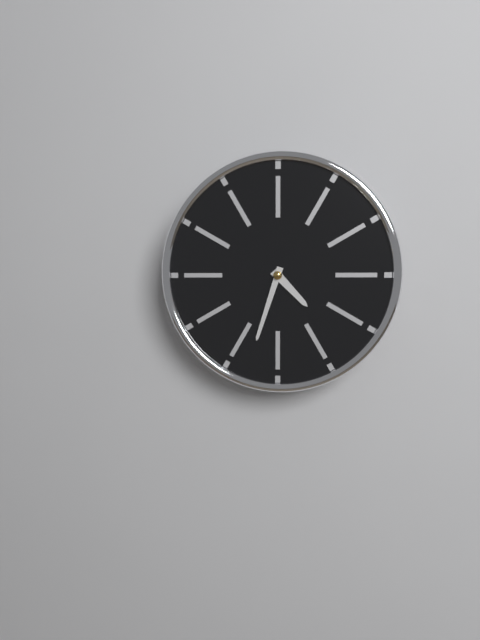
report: 4,33
